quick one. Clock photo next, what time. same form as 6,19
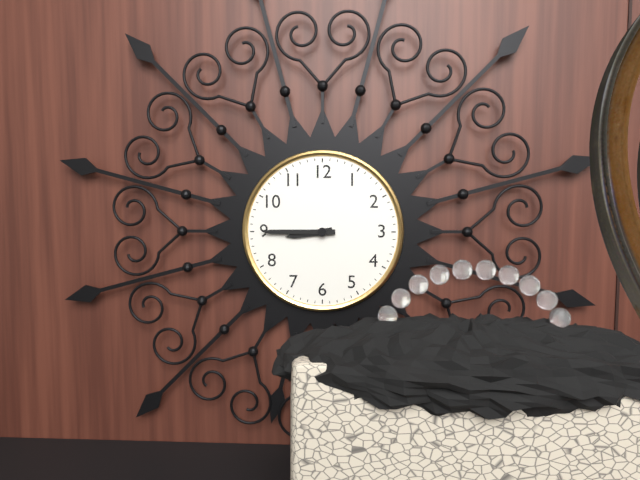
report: 8,45
